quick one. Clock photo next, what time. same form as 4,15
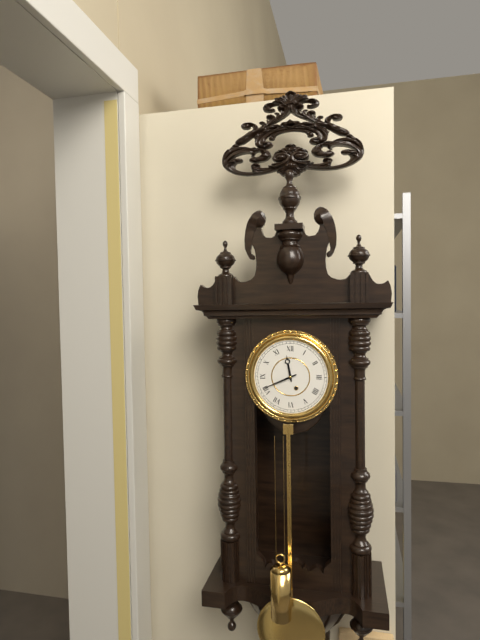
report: 11,41
